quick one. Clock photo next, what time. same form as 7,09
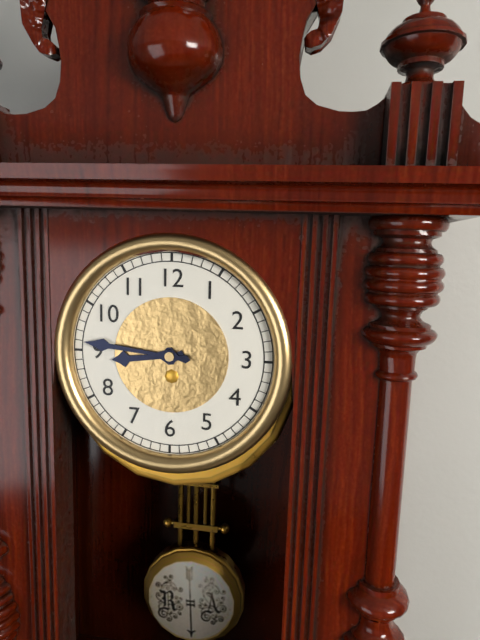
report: 8,46
